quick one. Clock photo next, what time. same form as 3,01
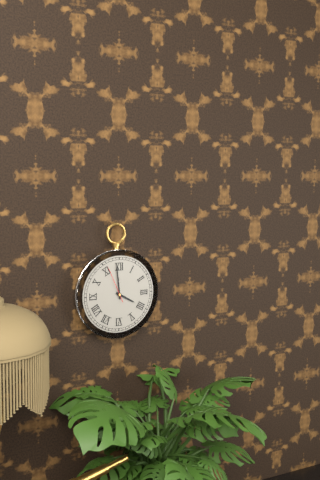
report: 3,59
